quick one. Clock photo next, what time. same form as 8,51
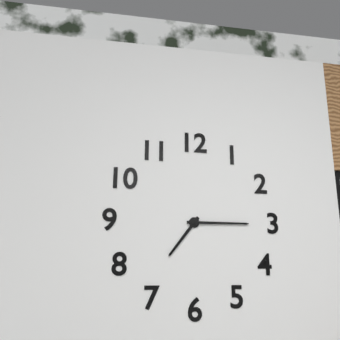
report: 7,15
